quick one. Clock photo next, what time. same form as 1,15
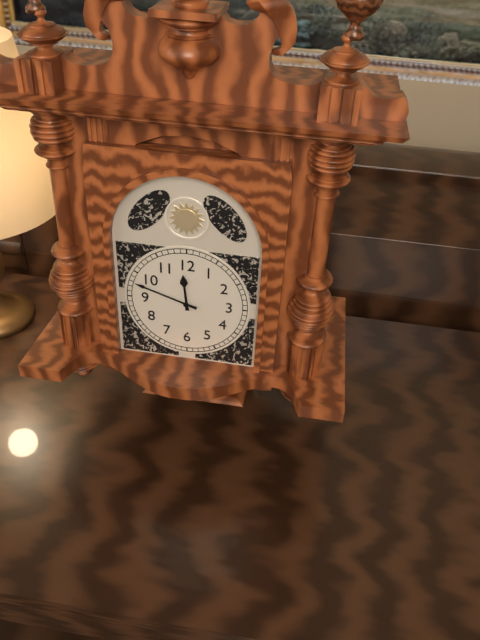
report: 11,48
